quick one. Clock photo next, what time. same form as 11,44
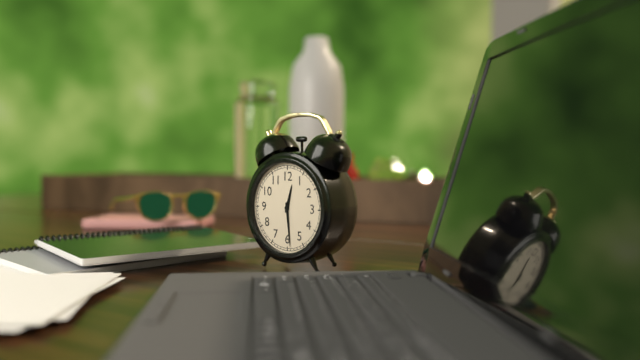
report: 12,29
